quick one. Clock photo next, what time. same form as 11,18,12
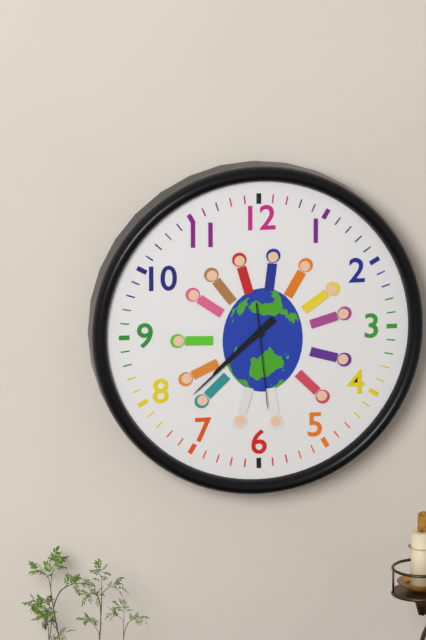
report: 7,38,29
